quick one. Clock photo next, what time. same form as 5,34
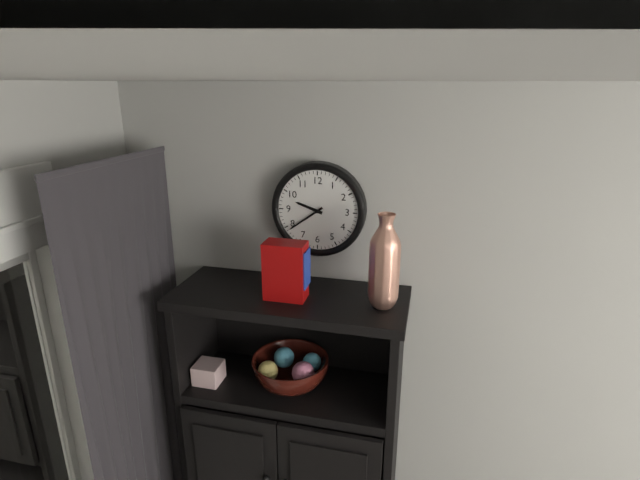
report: 9,39
